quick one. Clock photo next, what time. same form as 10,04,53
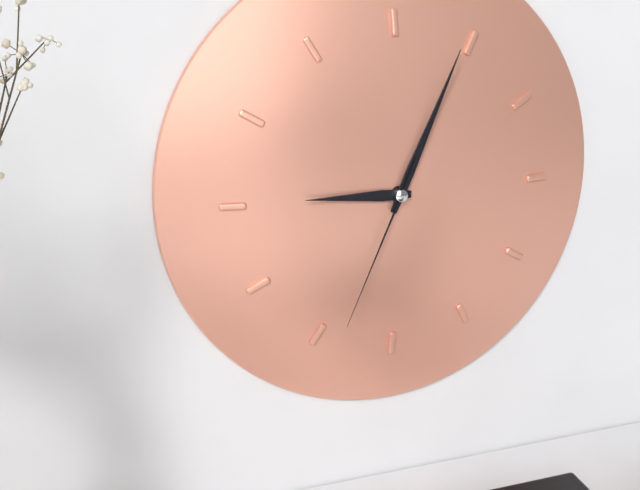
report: 9,04,34
